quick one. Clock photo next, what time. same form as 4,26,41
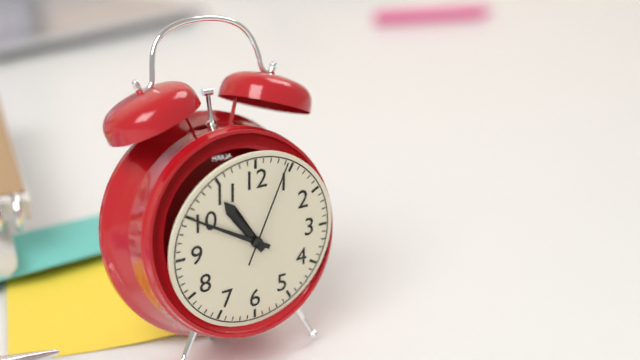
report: 10,50,04
